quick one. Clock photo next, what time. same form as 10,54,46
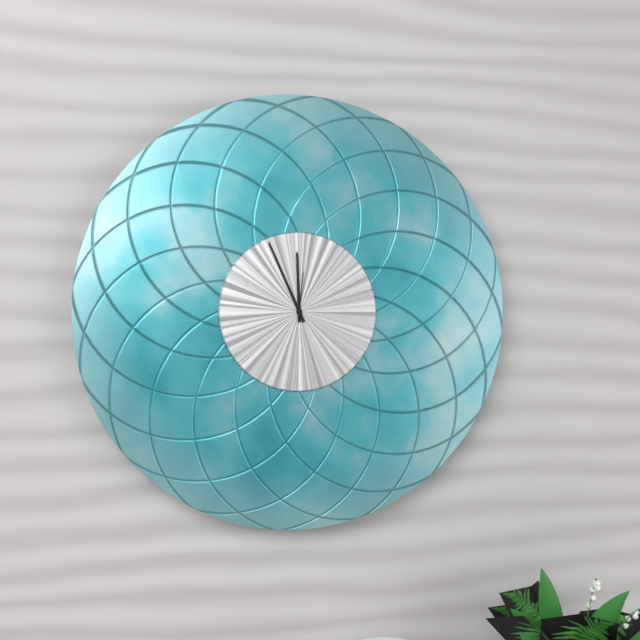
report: 11,56,01
